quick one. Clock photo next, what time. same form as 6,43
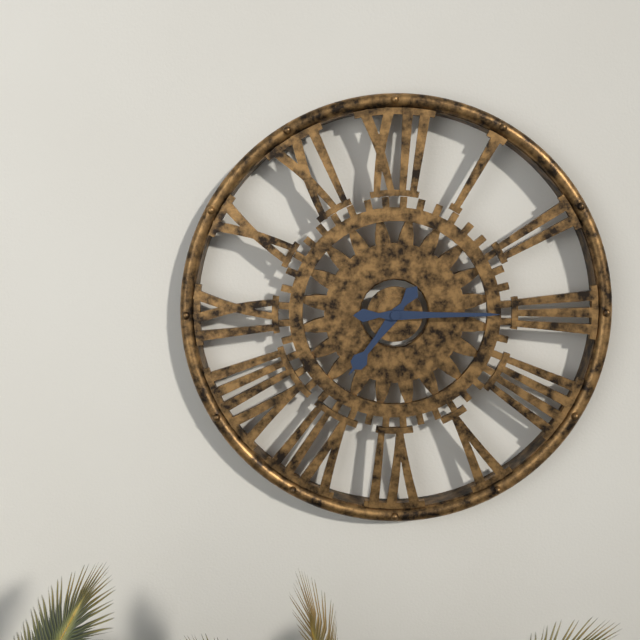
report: 7,15
